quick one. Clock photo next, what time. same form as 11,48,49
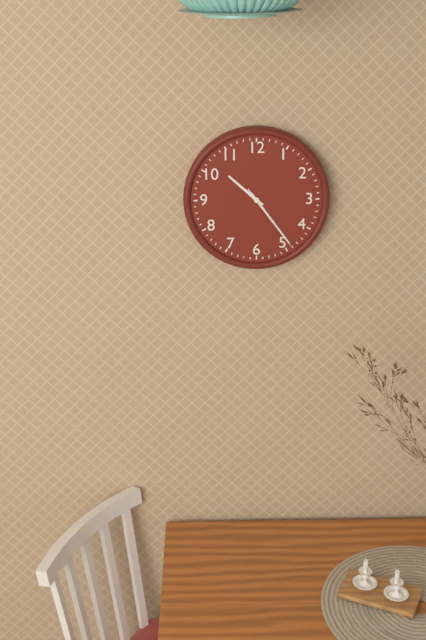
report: 10,24,24
